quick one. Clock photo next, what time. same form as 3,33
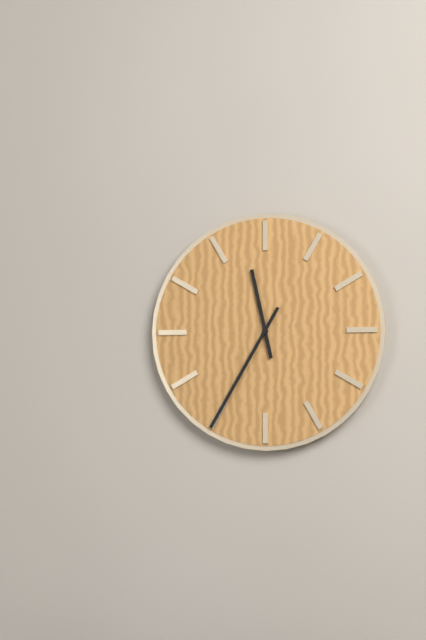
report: 11,35
